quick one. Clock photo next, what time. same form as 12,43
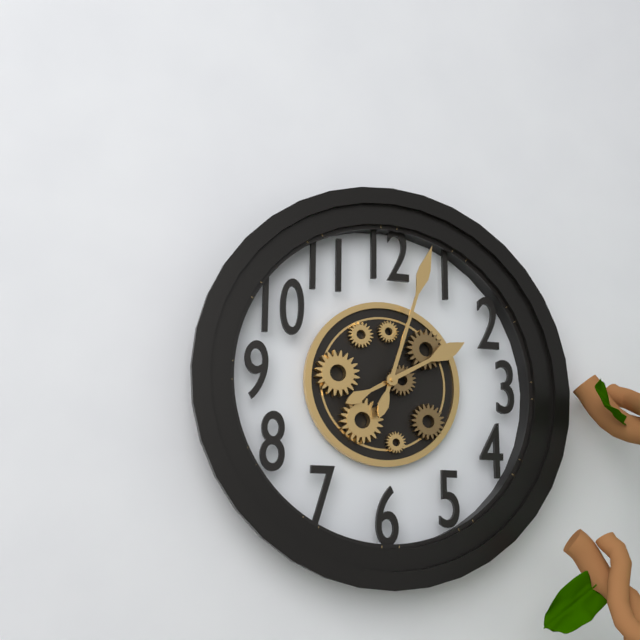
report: 2,03
